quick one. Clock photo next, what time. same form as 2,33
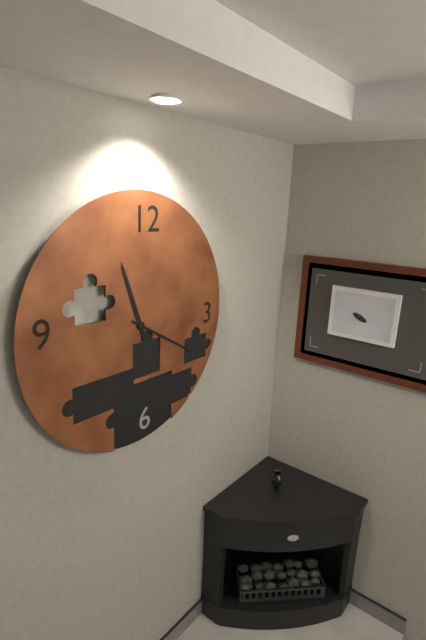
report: 11,20
